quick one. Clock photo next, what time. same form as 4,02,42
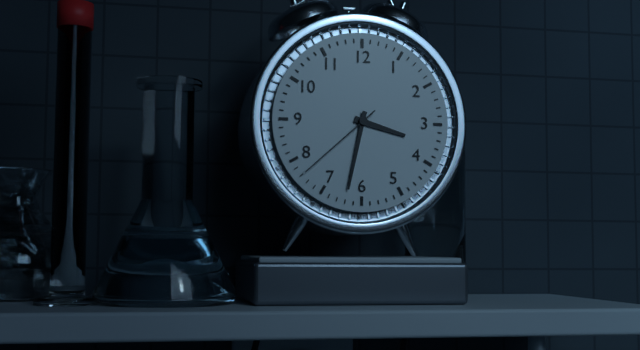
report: 3,32,38
